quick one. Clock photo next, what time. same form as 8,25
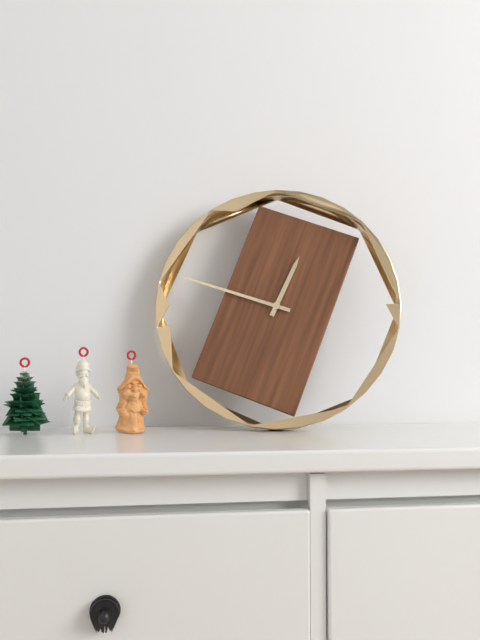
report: 12,48
